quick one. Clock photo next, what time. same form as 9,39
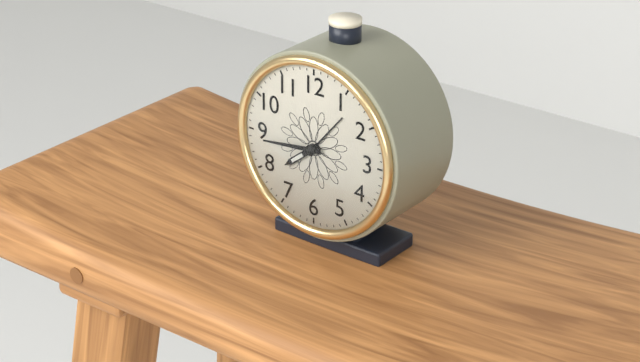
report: 7,44
